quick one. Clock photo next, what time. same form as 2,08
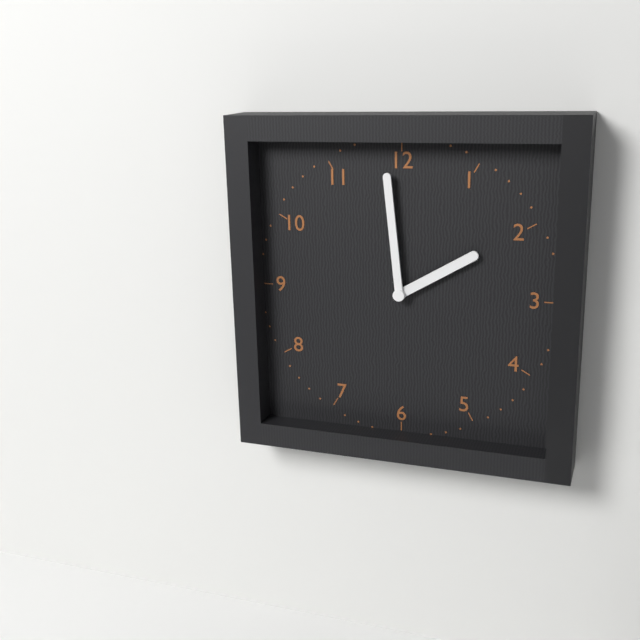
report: 1,59
